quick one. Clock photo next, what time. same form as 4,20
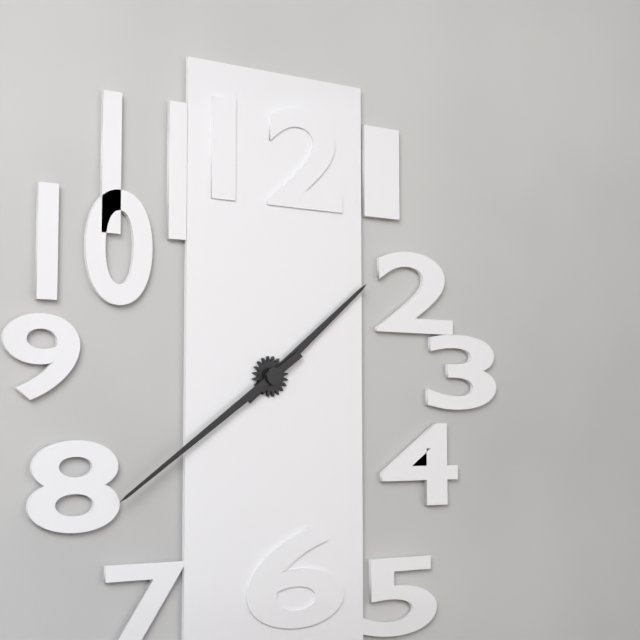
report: 1,39
